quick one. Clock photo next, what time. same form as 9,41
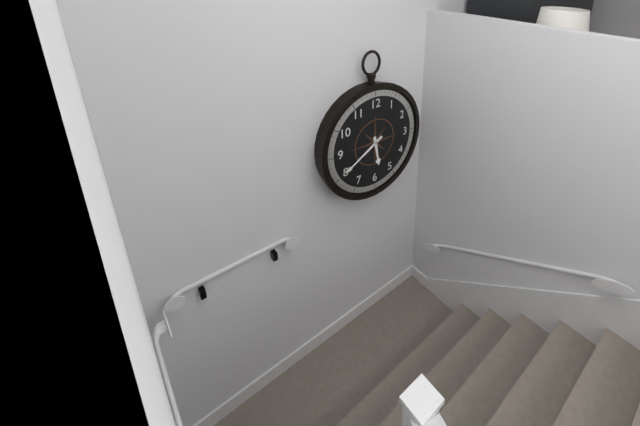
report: 5,40
